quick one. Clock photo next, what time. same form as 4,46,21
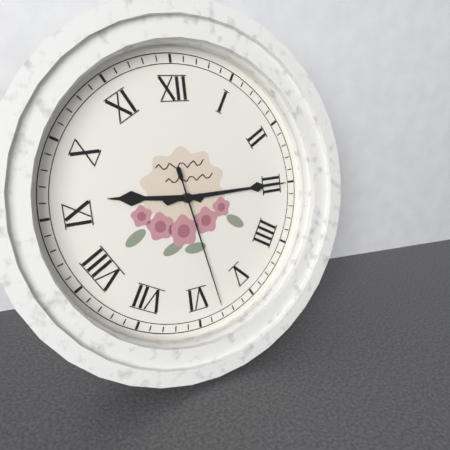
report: 9,15,28
